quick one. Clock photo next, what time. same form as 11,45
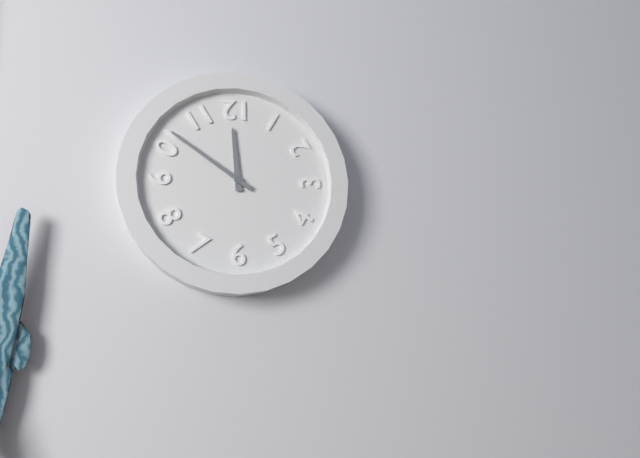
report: 11,51
